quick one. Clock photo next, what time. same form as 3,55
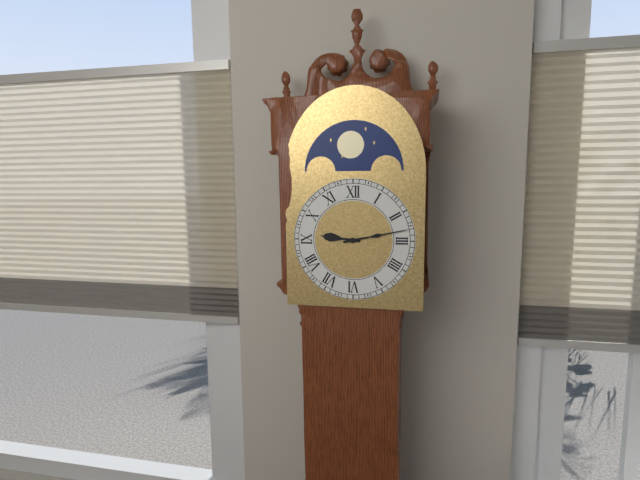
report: 9,13
